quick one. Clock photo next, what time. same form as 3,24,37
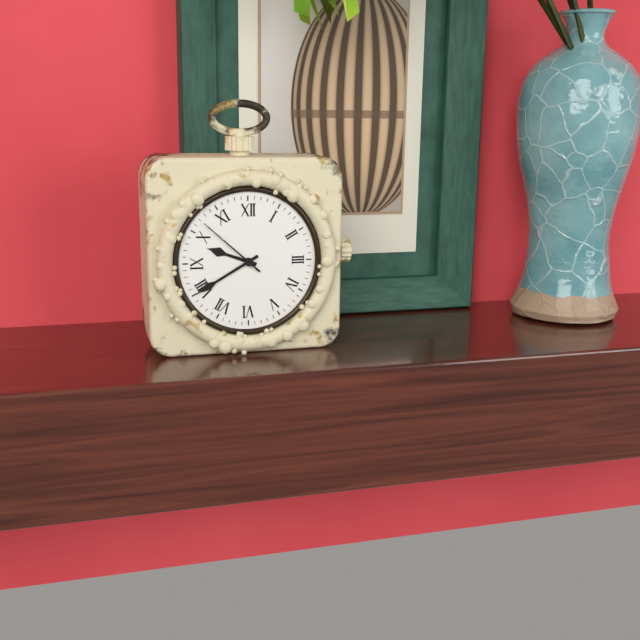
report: 9,40,52
